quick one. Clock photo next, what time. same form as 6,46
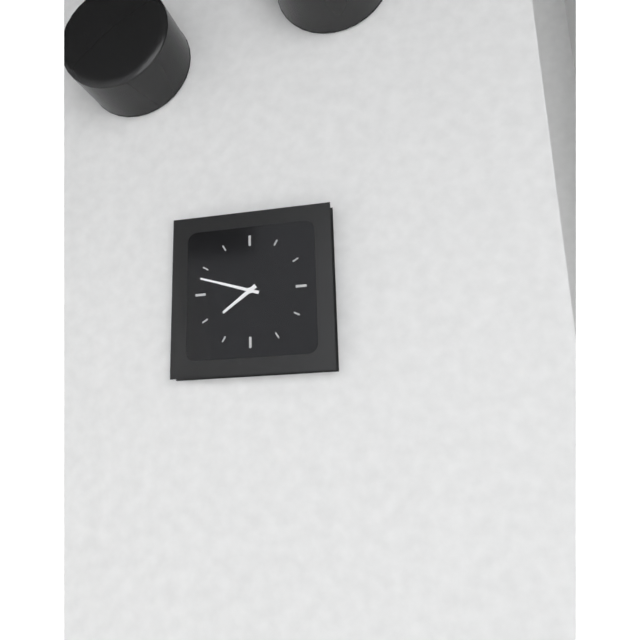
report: 7,48
